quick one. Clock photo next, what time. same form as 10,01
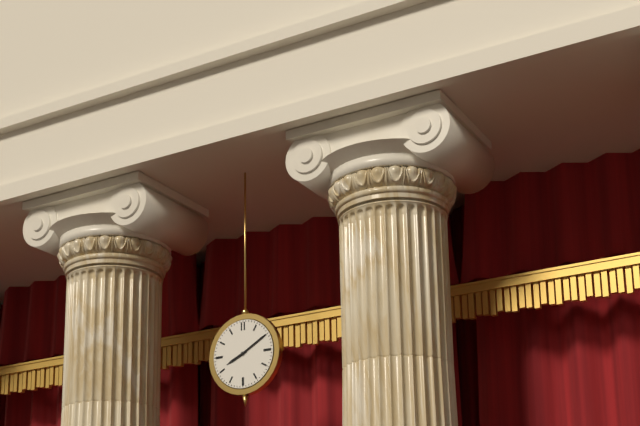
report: 8,10
